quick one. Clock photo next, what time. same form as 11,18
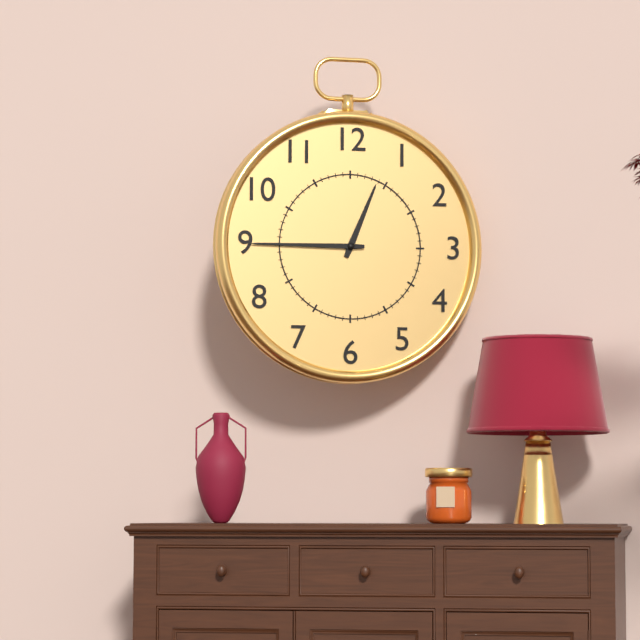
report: 12,45
